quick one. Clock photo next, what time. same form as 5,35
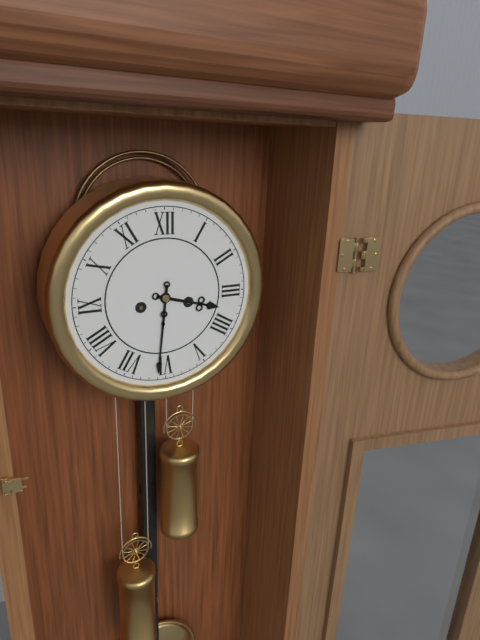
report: 3,31
